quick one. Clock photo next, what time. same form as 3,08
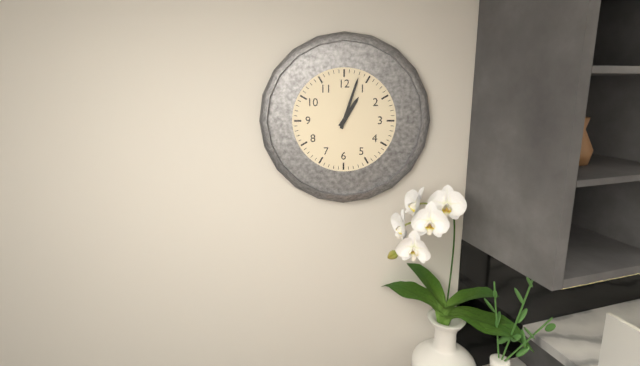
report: 1,03
